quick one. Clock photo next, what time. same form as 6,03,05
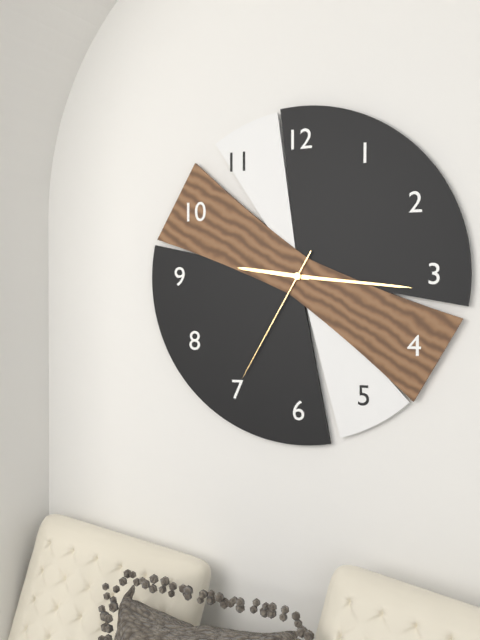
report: 9,16,35
